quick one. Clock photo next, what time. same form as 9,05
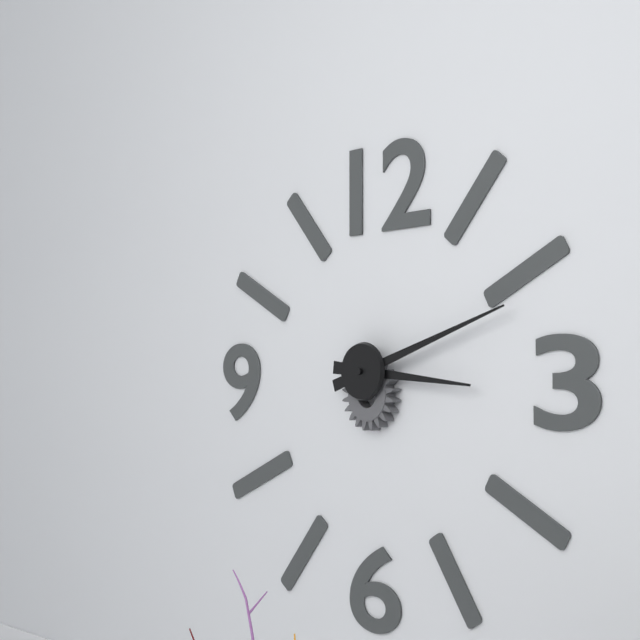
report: 3,12
